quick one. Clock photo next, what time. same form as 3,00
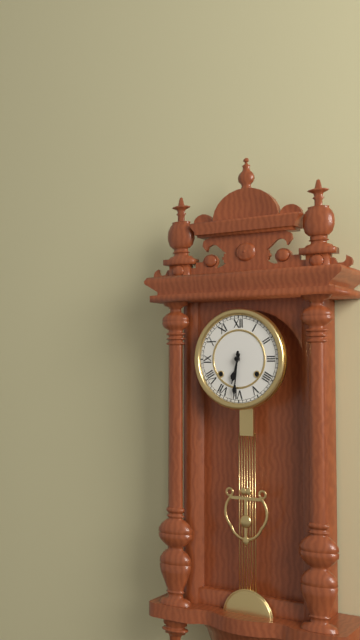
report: 6,31
